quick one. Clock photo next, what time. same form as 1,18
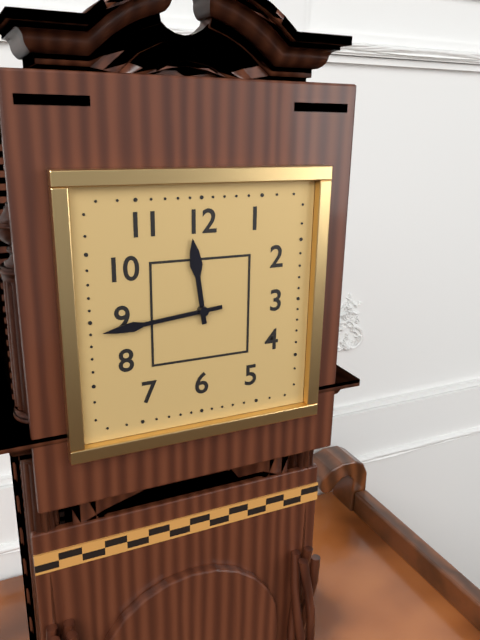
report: 11,44
